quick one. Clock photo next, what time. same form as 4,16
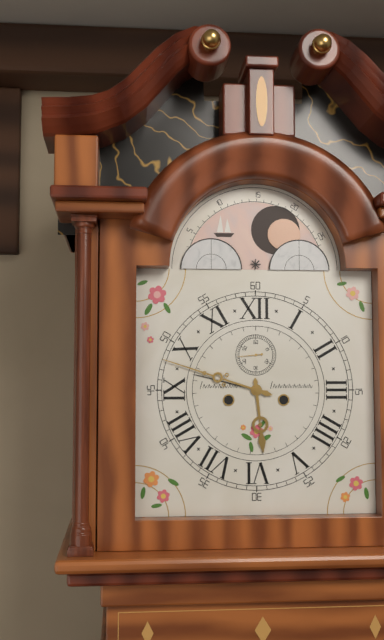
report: 5,48
